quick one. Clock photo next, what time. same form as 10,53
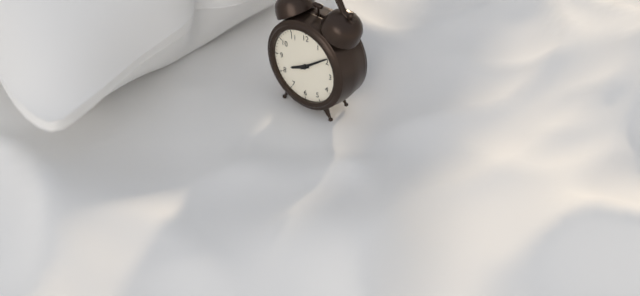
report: 8,09
